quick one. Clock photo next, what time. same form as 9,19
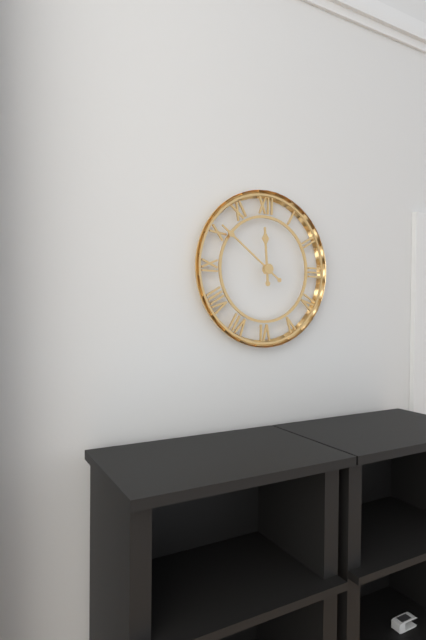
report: 11,51
